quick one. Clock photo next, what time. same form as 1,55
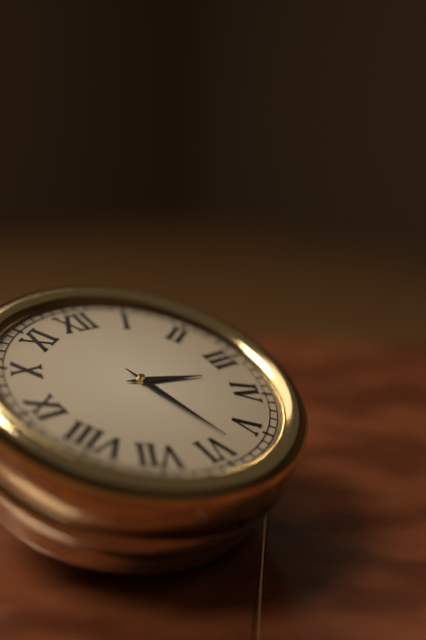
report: 3,28
